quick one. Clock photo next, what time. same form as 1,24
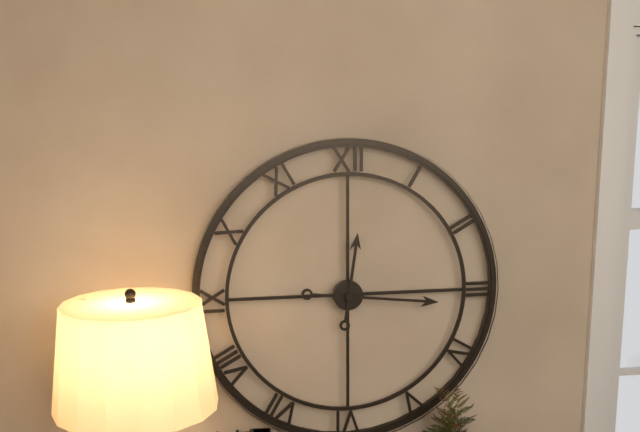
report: 12,16
